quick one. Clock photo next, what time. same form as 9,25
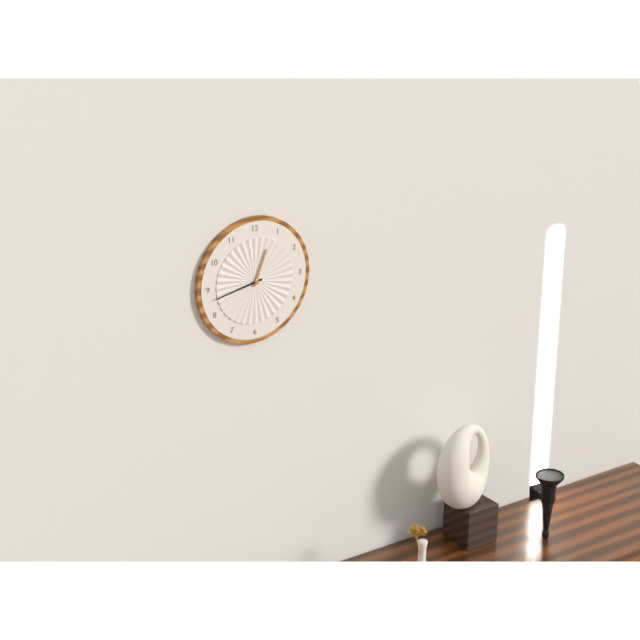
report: 12,43
